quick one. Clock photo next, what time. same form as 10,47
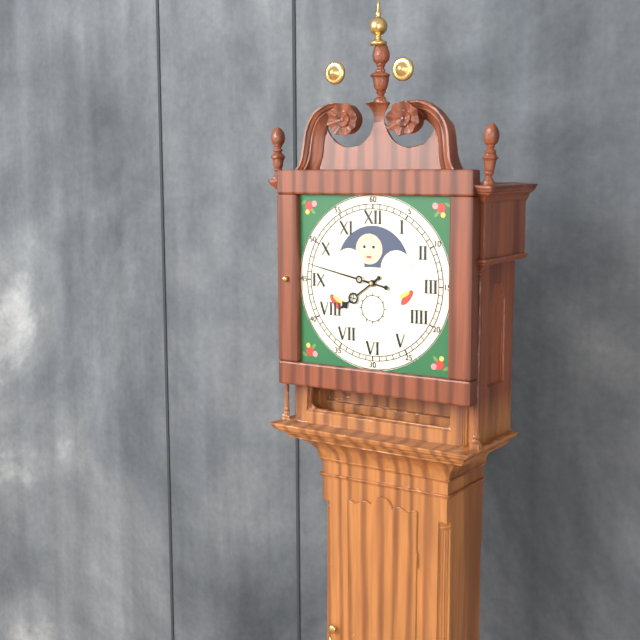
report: 7,47
